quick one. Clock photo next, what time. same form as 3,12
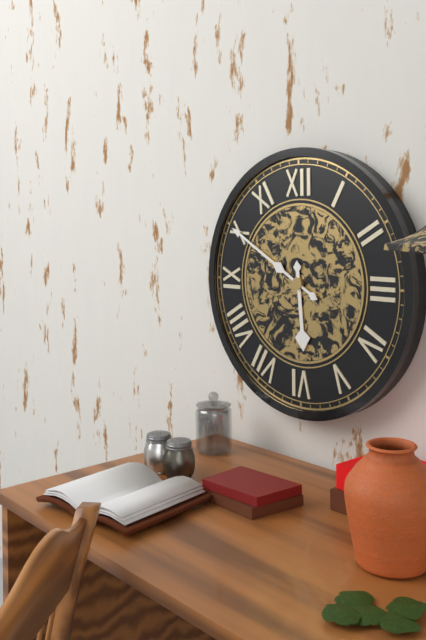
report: 5,50
